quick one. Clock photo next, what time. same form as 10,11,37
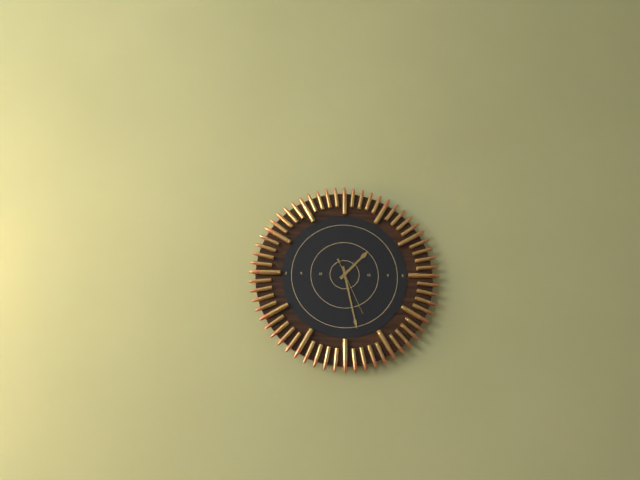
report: 1,28,26
